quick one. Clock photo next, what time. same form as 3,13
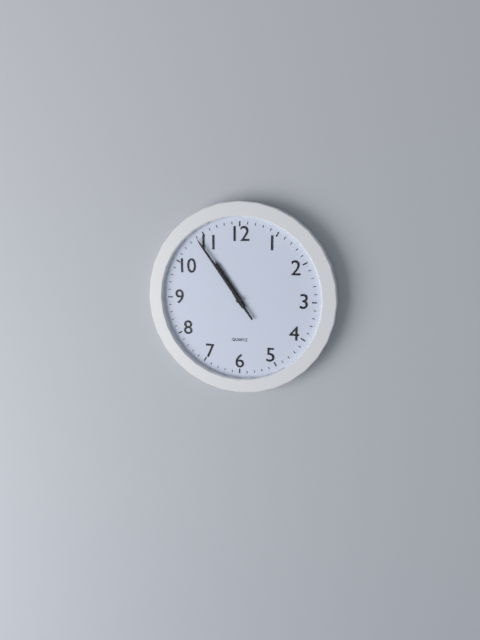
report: 10,54
